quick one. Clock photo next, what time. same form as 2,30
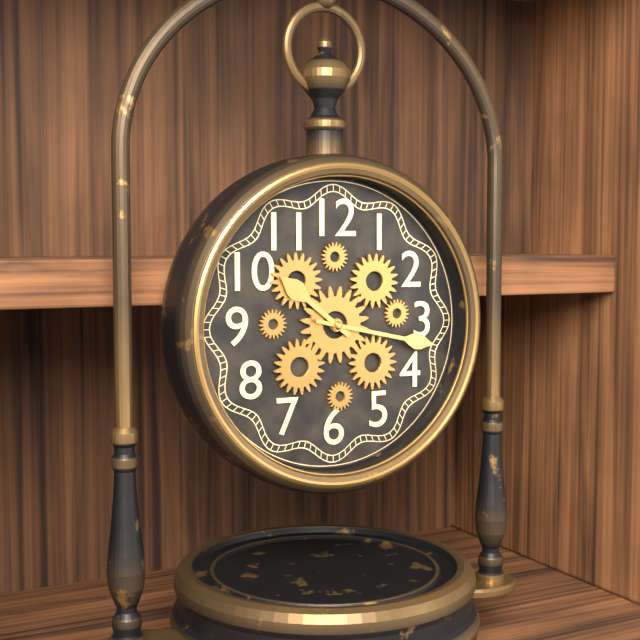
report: 10,17
